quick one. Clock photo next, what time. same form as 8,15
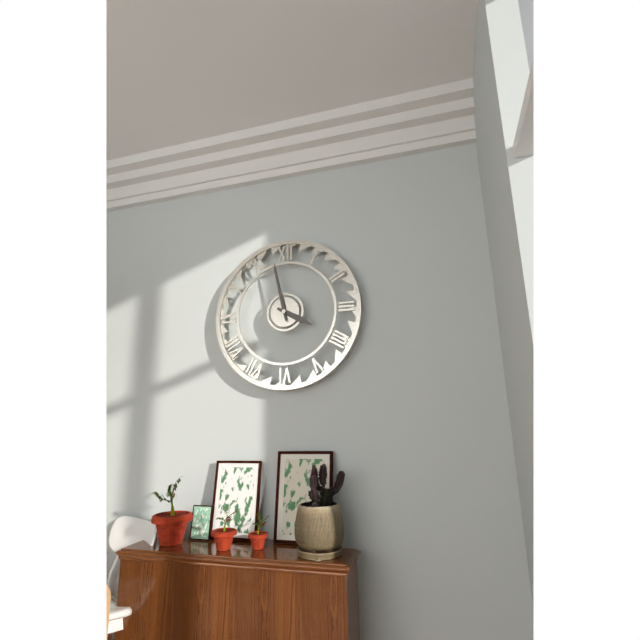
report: 3,58
